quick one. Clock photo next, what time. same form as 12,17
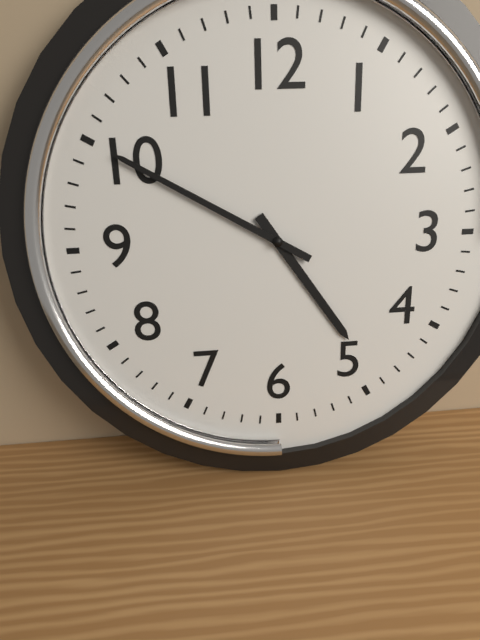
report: 4,50
